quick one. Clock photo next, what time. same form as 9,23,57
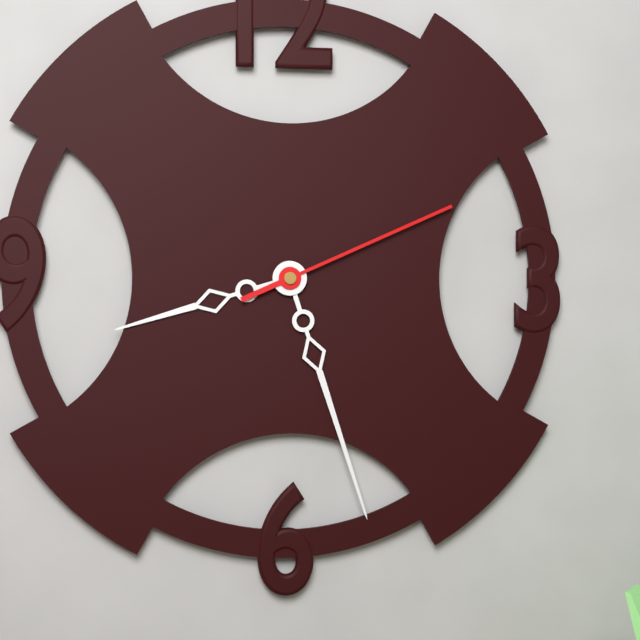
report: 8,27,11
